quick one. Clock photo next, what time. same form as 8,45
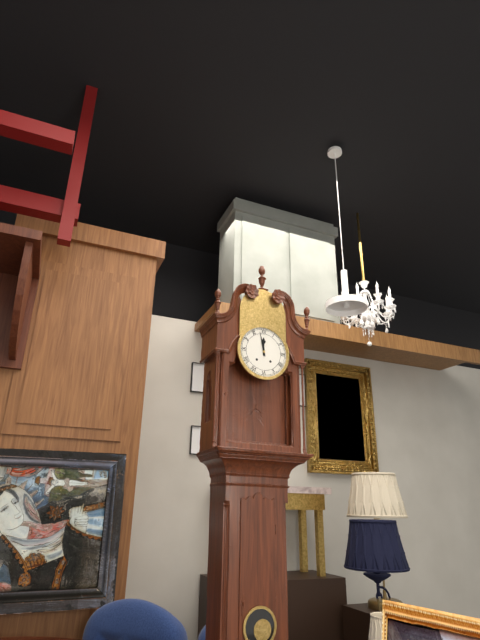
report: 11,58
